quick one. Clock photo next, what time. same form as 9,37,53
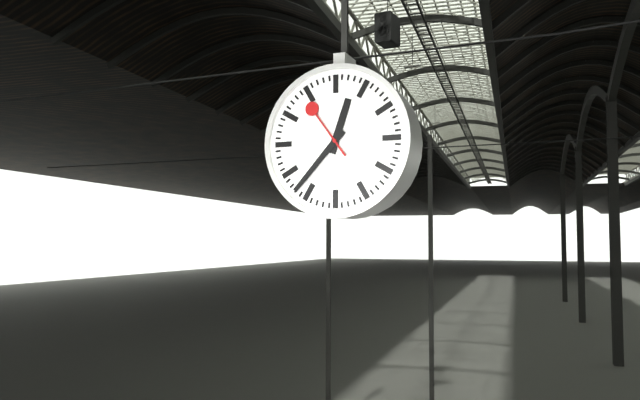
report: 12,37,54
